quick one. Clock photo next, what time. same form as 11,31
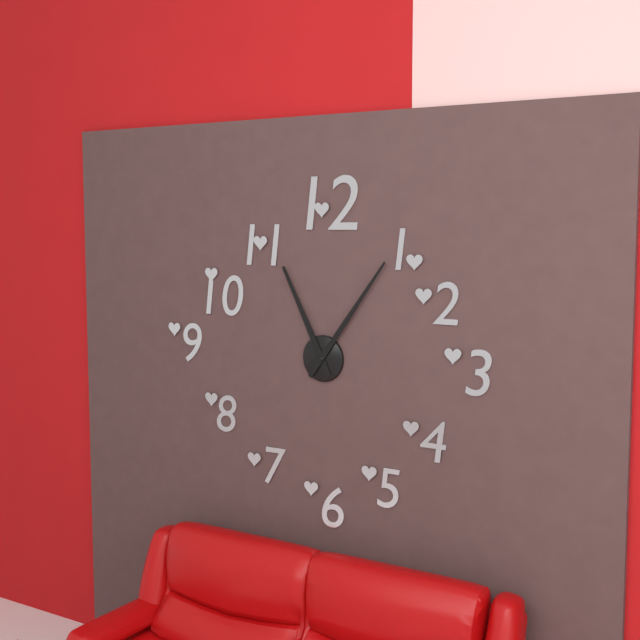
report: 11,06
